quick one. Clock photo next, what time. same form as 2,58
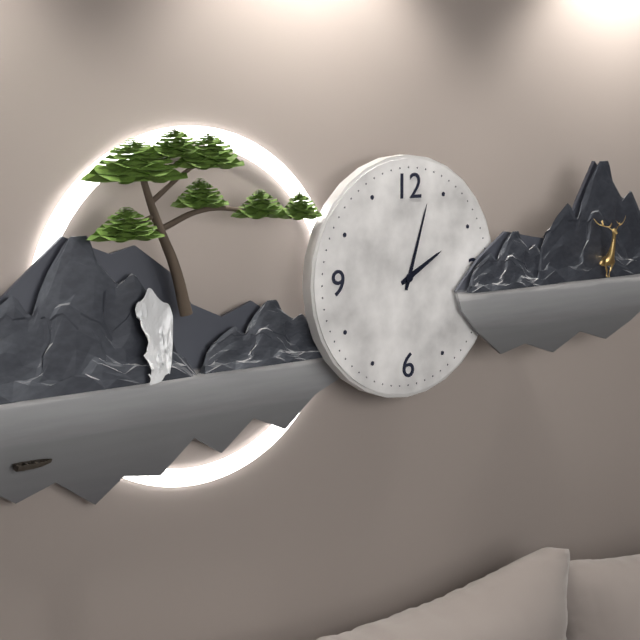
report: 2,03
